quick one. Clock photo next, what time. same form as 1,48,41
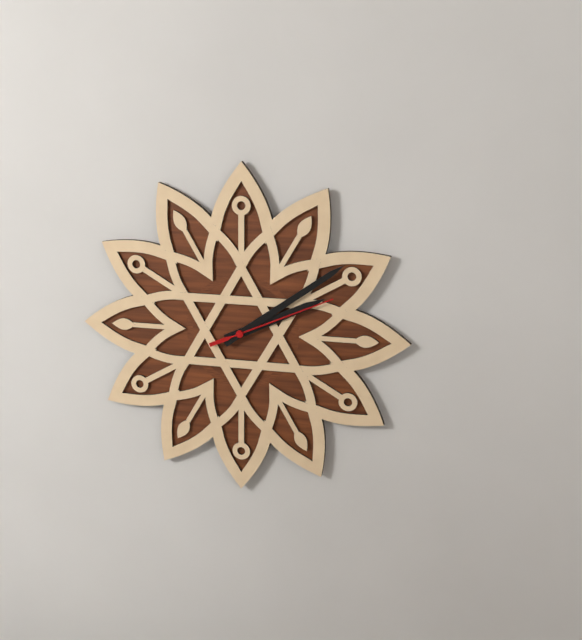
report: 2,09,11
